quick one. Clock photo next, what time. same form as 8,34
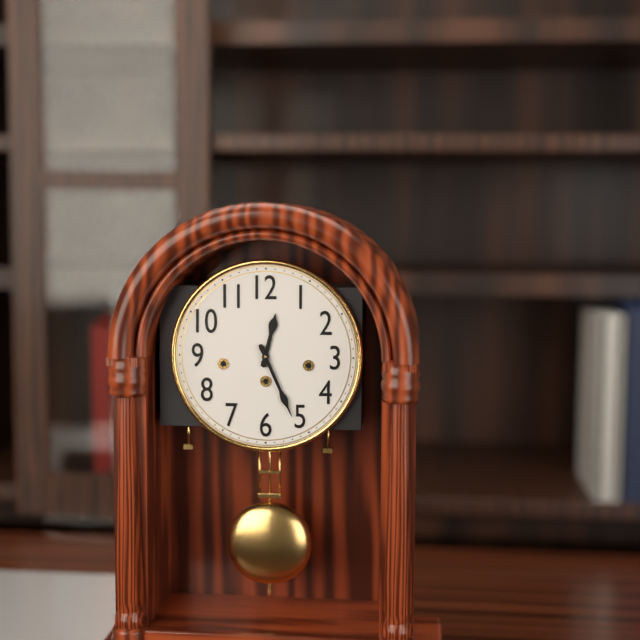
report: 12,26
